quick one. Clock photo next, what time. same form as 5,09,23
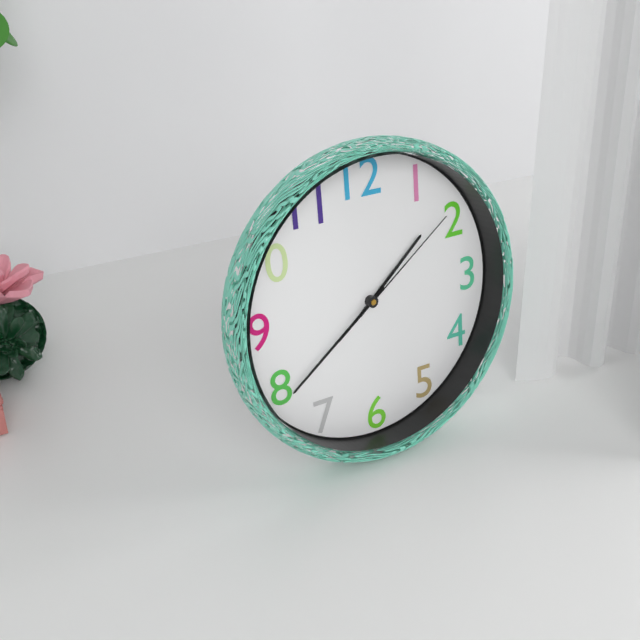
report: 1,39,09
